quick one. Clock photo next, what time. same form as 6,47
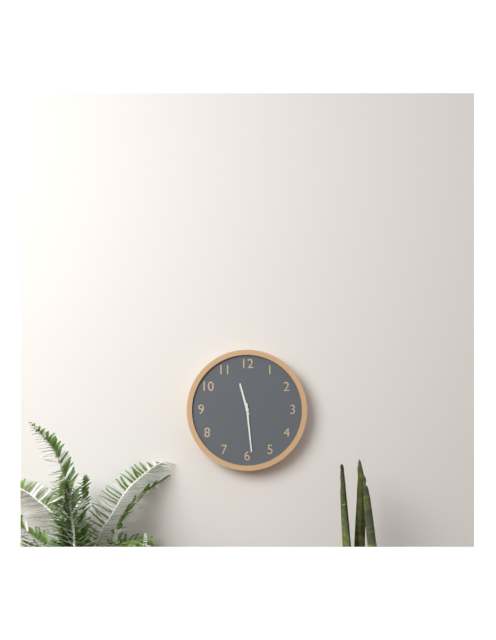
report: 11,29
